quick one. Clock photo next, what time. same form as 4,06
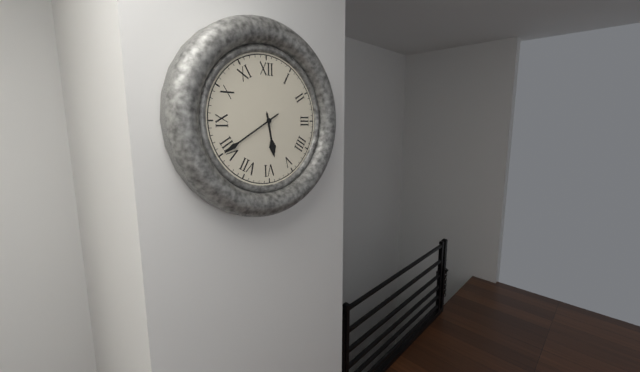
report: 5,40
